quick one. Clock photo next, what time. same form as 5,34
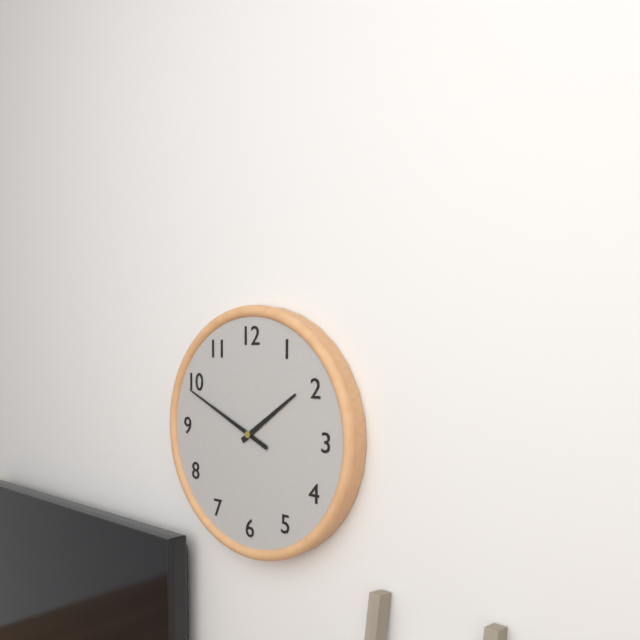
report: 1,49
